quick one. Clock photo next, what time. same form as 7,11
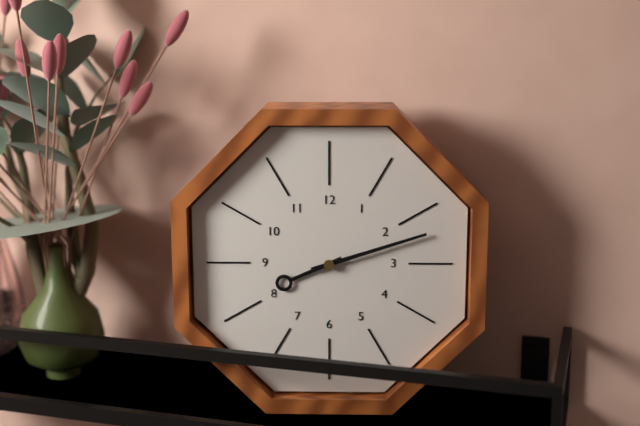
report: 8,12
